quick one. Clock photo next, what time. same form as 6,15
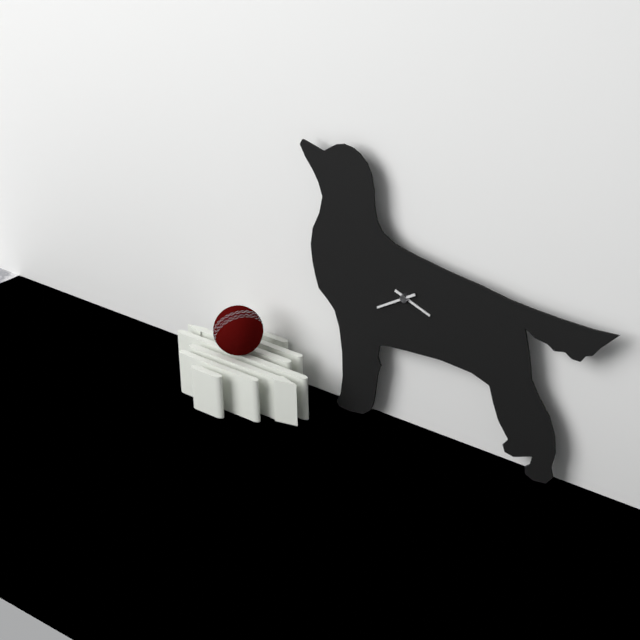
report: 3,40
